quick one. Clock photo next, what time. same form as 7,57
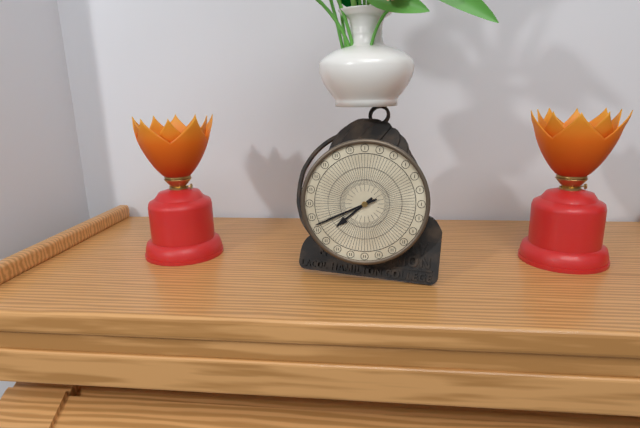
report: 7,41
